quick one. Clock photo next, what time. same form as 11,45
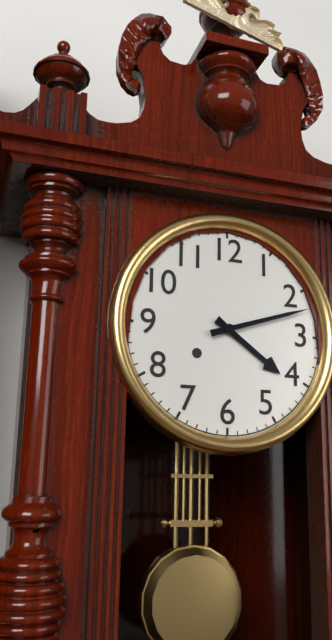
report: 4,12
